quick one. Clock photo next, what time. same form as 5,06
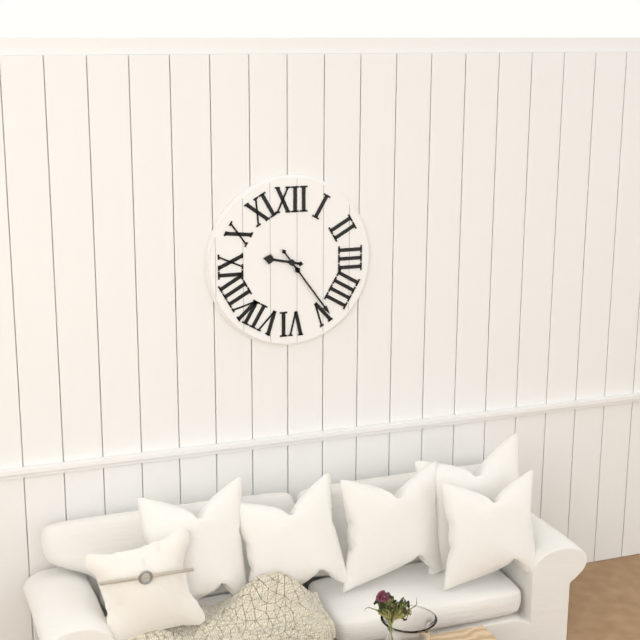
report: 9,24
